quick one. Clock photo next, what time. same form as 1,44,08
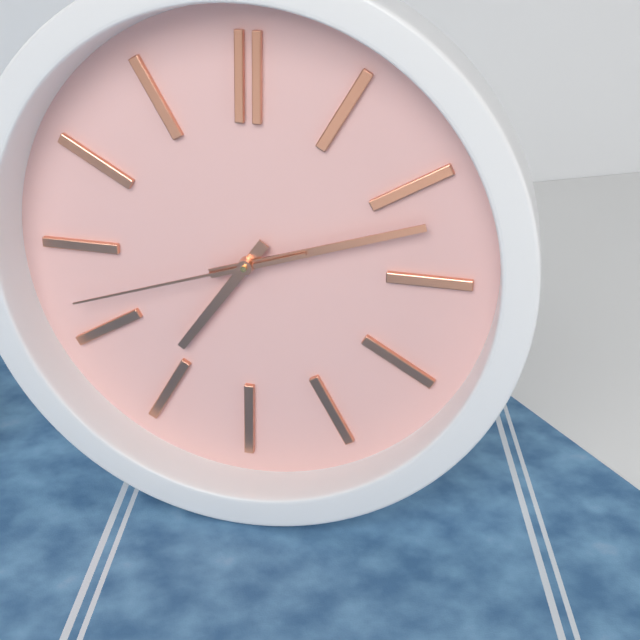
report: 7,12,42
